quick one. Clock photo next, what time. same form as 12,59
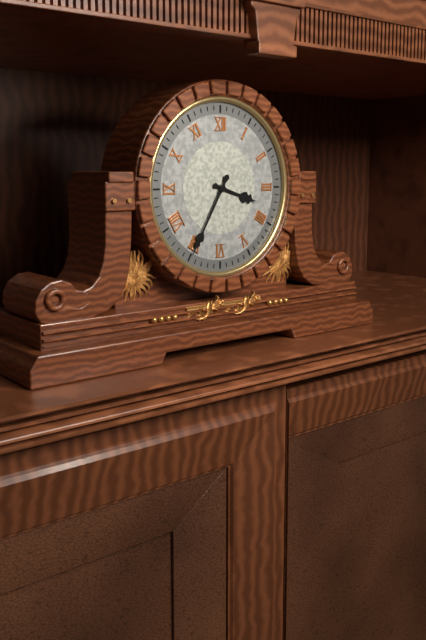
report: 3,35
